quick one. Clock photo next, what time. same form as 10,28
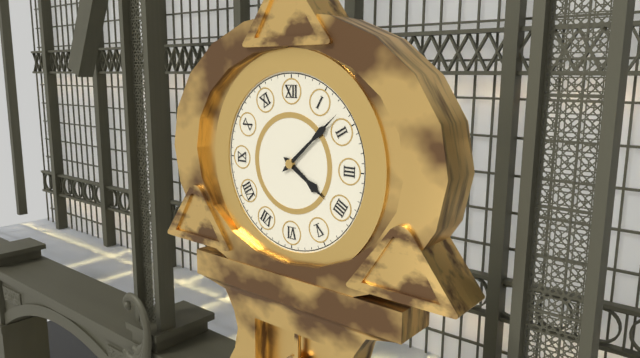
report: 4,08
